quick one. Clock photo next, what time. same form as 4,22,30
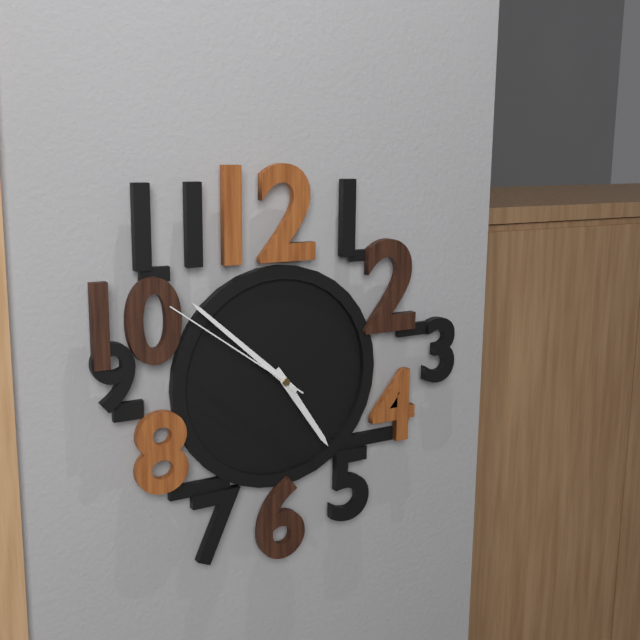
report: 4,52,51
